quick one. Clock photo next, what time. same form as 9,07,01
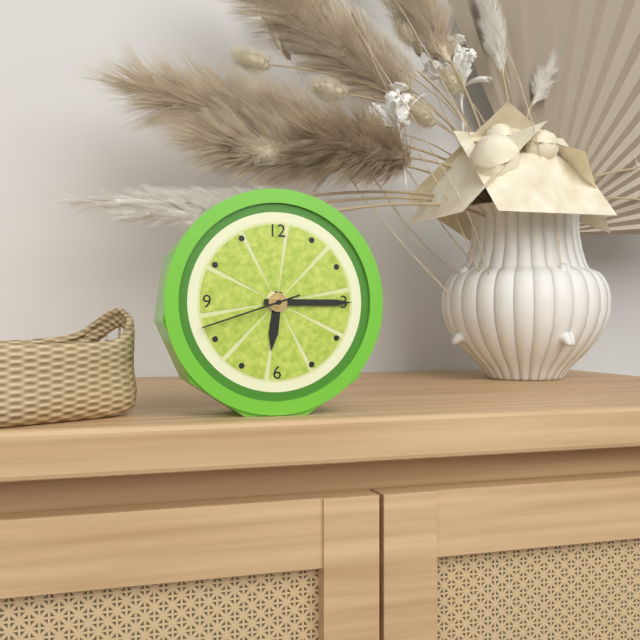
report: 6,15,42
